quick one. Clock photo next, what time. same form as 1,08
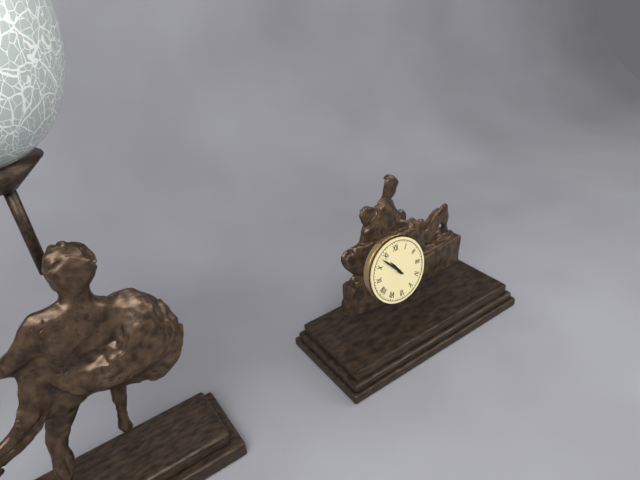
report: 10,53
